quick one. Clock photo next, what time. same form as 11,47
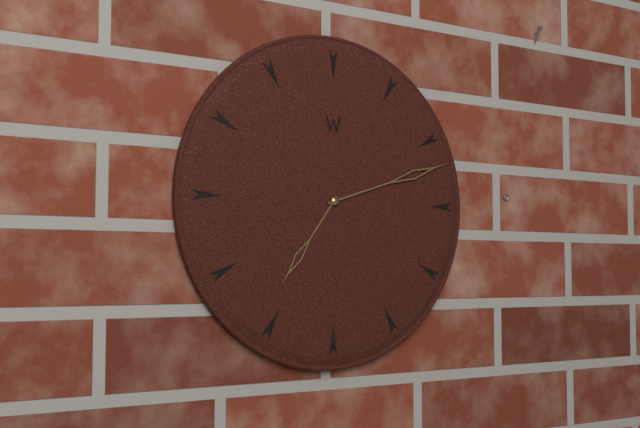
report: 7,12
